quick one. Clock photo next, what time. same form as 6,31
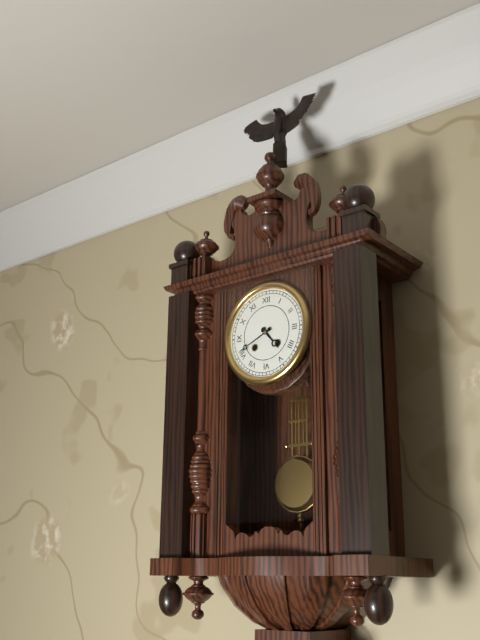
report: 4,41
